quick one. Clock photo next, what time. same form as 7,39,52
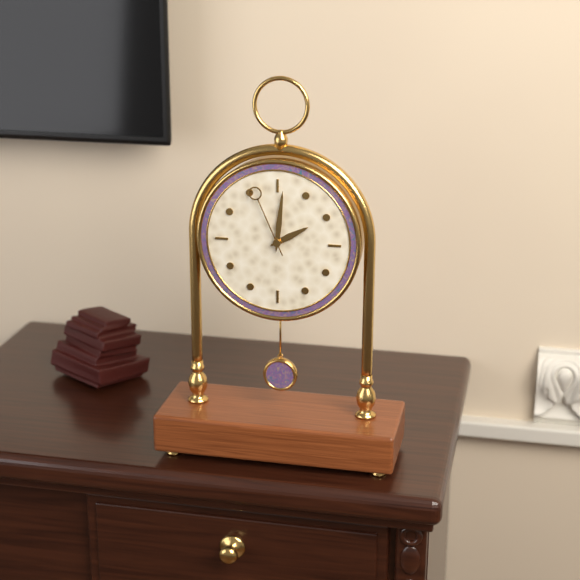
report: 2,01,56
